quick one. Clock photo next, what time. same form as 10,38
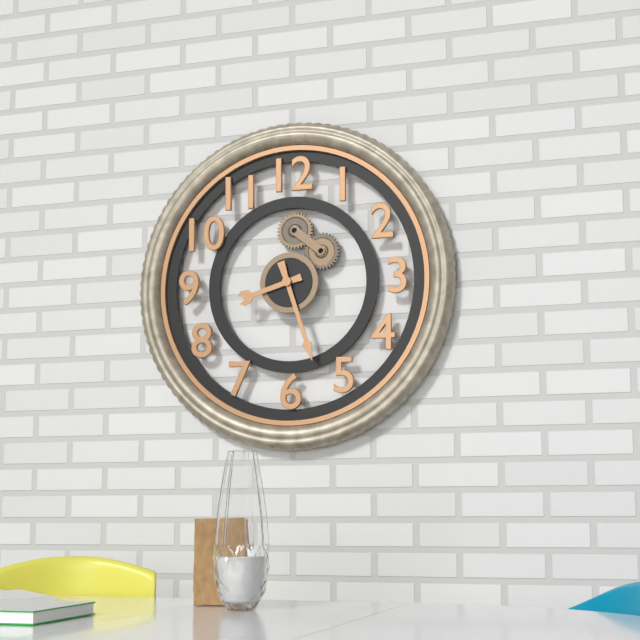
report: 8,27
